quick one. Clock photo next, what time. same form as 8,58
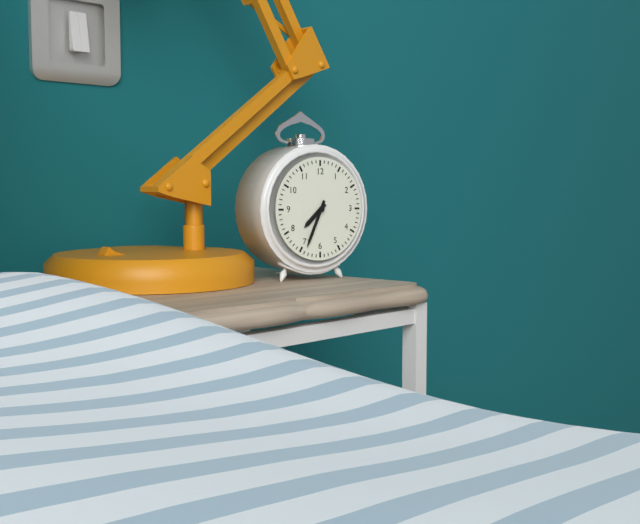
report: 7,34
